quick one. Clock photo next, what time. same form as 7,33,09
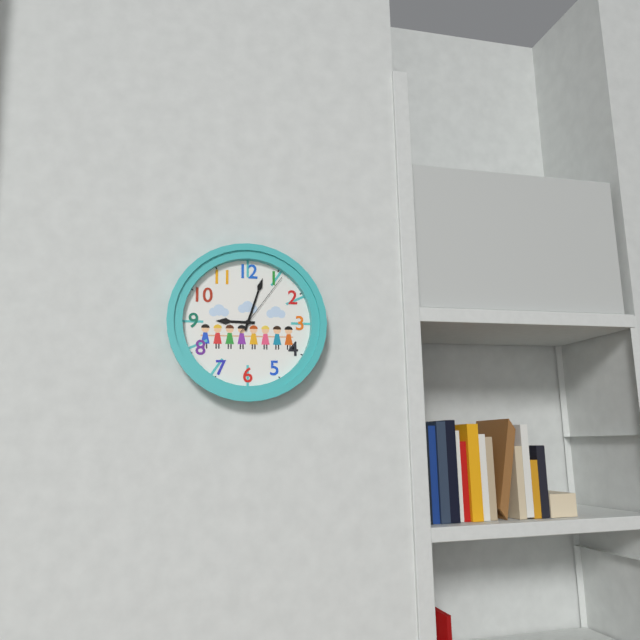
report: 9,03,06
